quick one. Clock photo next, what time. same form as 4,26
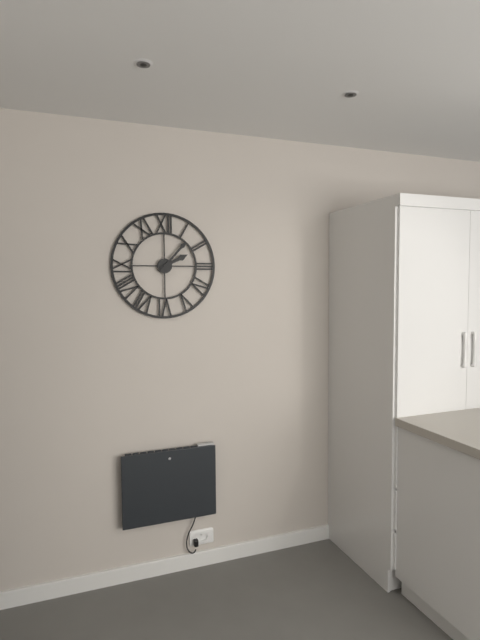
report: 2,07
